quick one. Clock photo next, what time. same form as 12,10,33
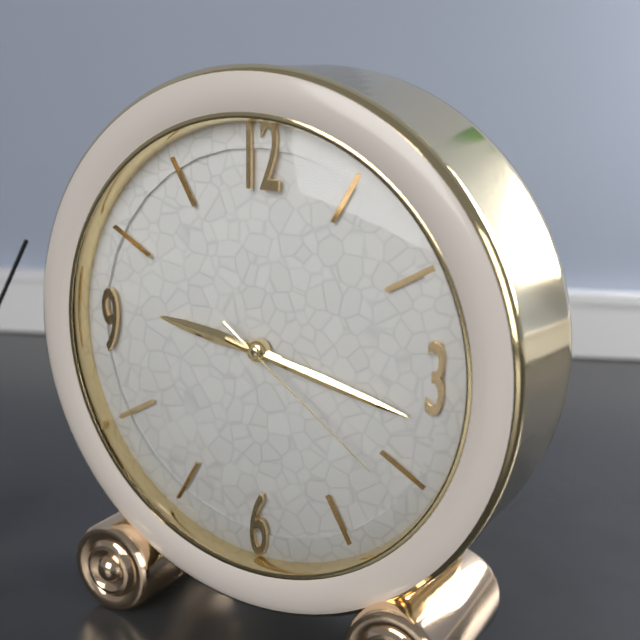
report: 9,17,21
